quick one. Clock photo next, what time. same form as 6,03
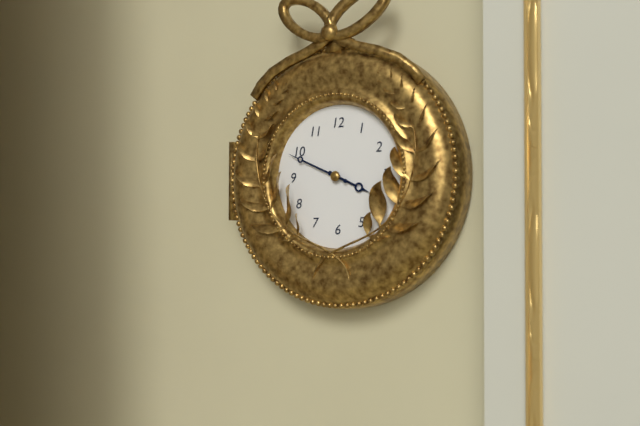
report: 3,49
